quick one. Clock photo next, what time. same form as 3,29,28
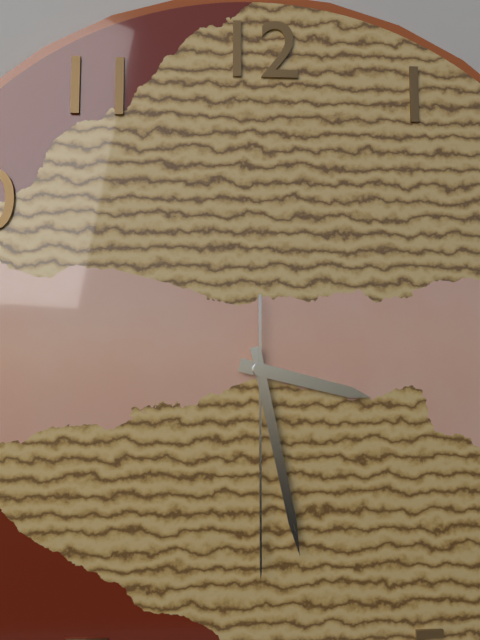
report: 3,28,30
